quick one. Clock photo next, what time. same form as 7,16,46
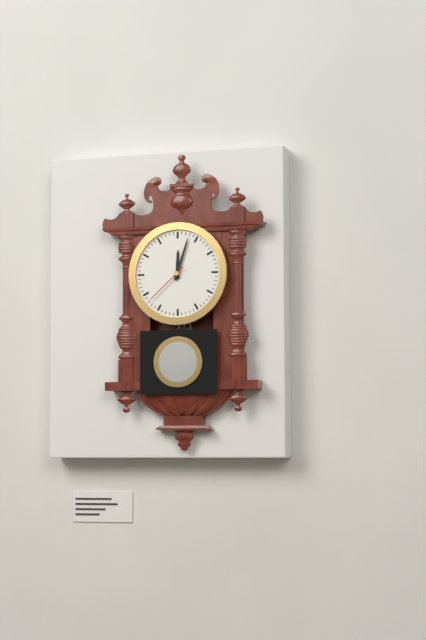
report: 12,03,38
